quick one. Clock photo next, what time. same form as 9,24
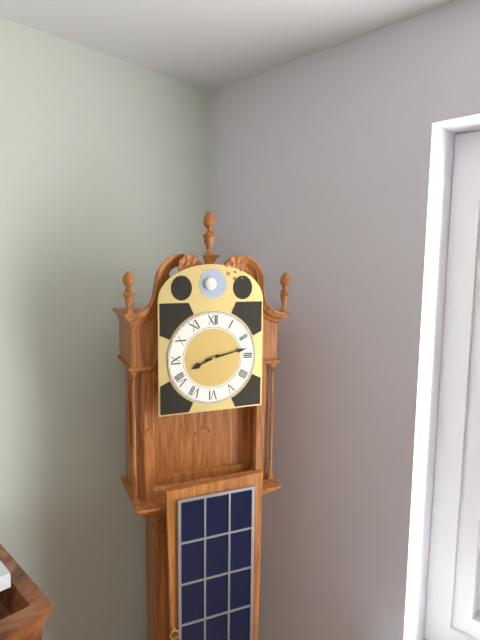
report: 8,13
